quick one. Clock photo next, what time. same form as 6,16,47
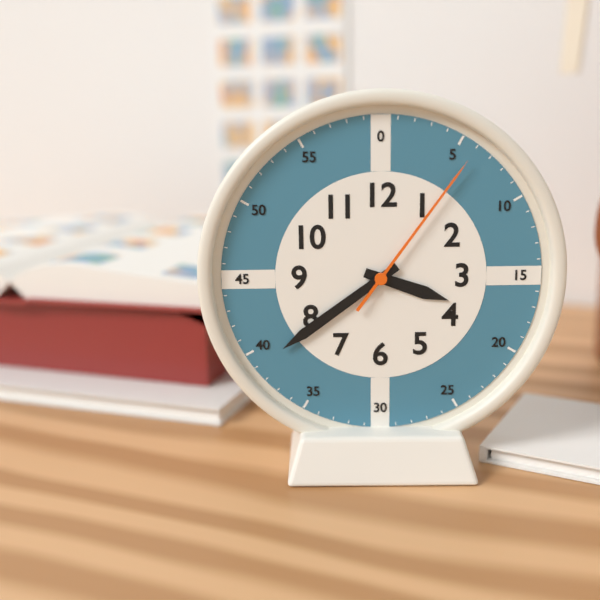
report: 3,39,06
